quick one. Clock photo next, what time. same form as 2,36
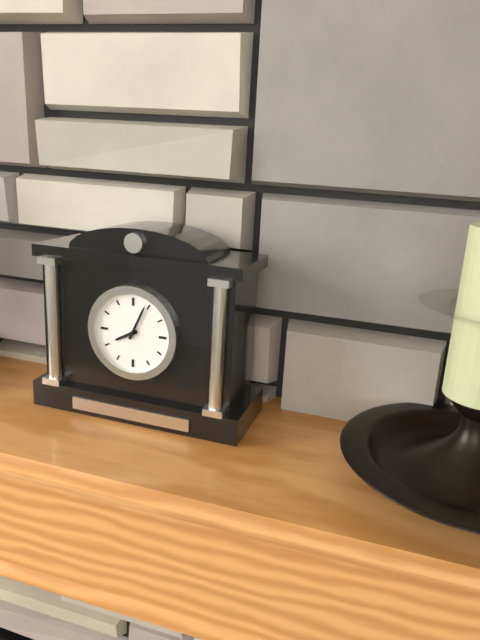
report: 8,04
